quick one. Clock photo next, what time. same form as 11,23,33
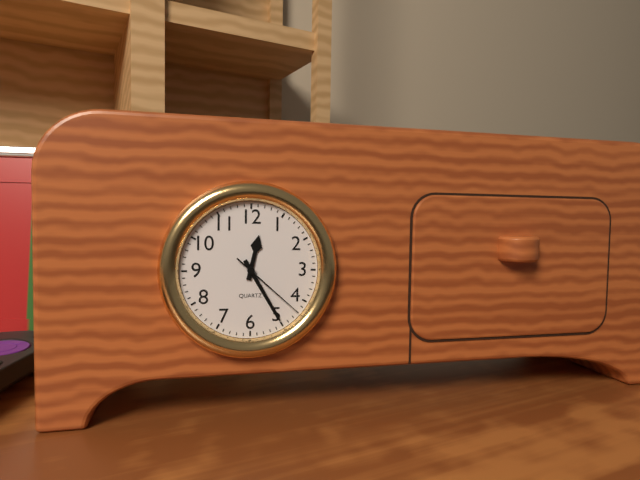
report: 12,25,22
